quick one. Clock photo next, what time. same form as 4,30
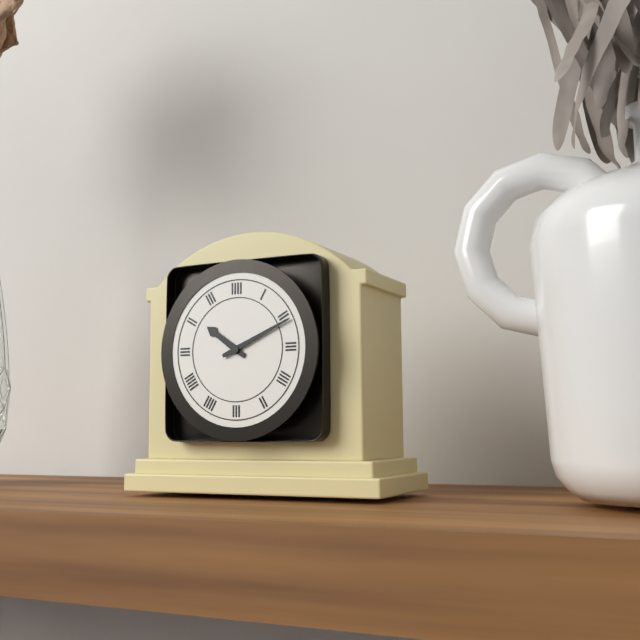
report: 10,11
